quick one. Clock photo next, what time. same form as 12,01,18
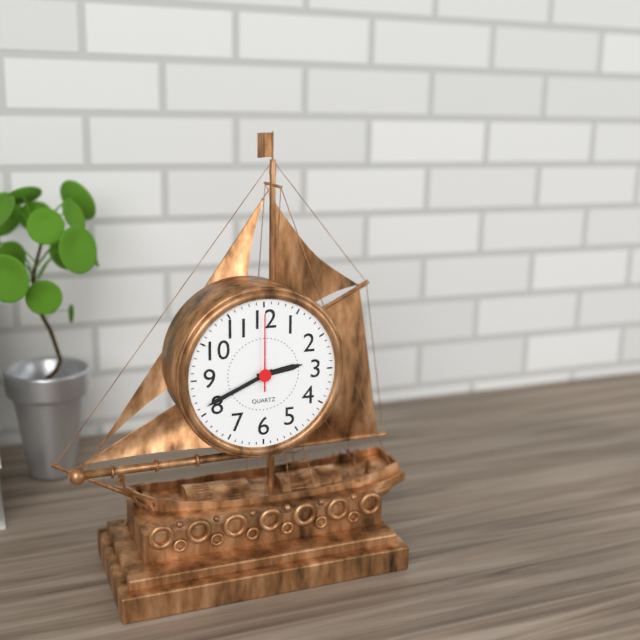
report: 2,41,00
